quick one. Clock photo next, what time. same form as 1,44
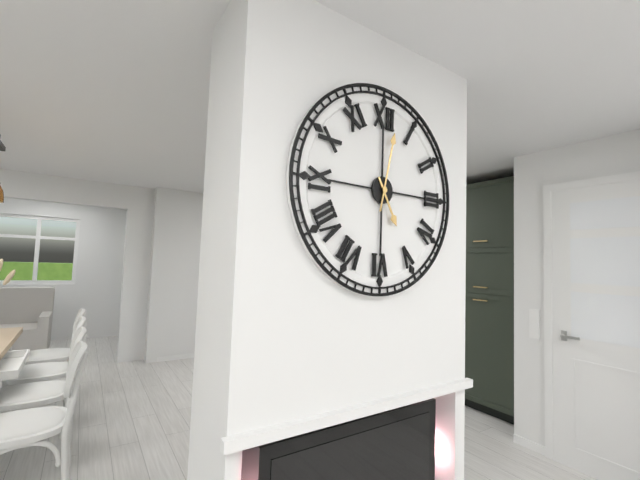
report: 5,02
